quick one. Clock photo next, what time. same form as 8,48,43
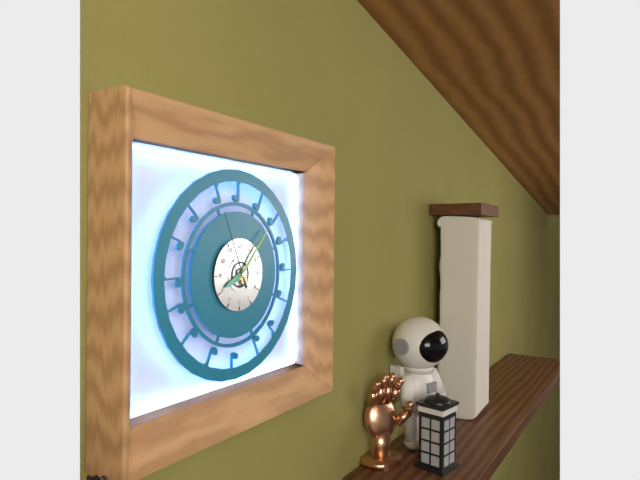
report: 8,07,56
